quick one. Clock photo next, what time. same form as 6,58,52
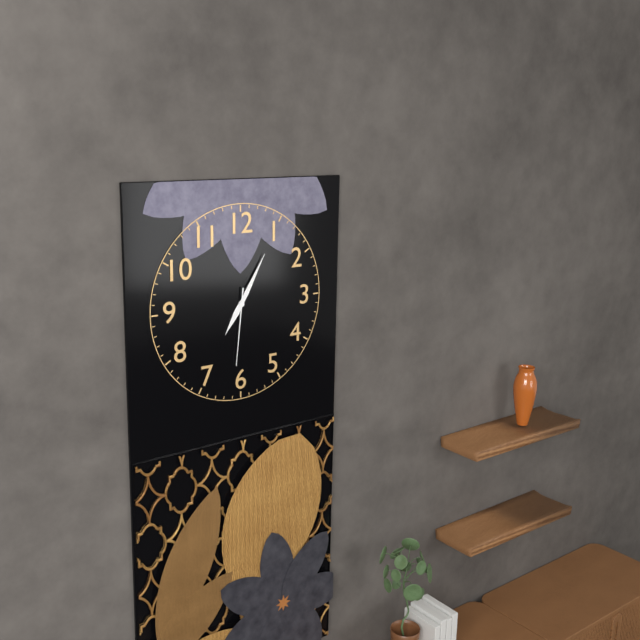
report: 7,05,31
